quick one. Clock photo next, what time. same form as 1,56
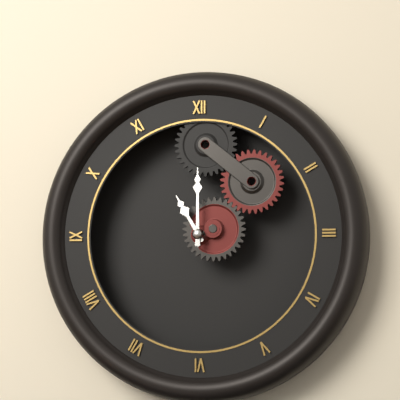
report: 11,00
